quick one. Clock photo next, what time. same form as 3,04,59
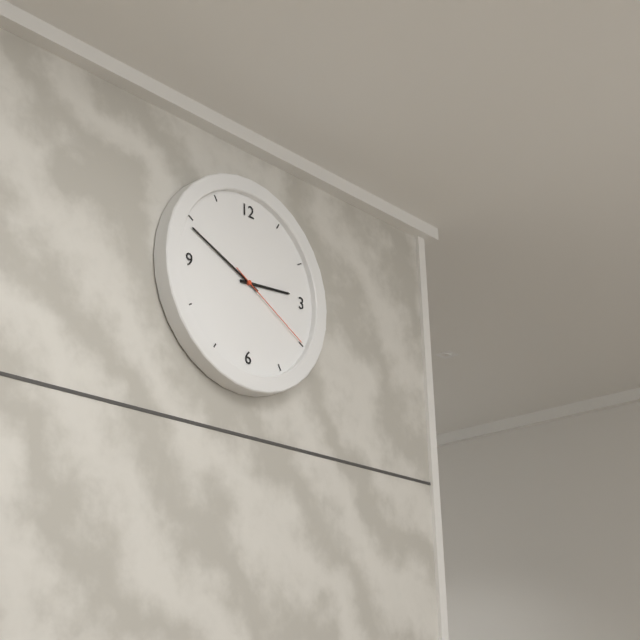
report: 2,49,20
